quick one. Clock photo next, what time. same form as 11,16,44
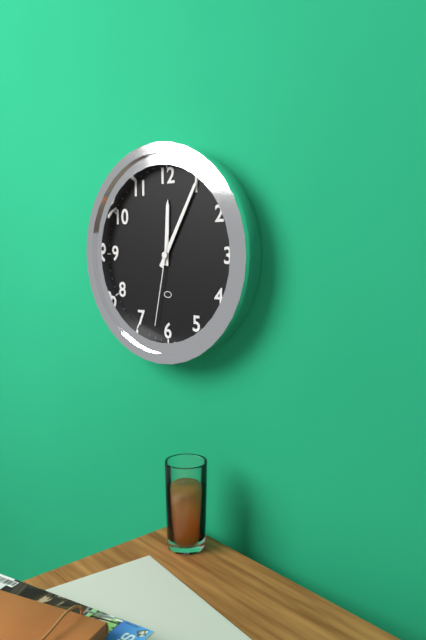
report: 12,05,32
